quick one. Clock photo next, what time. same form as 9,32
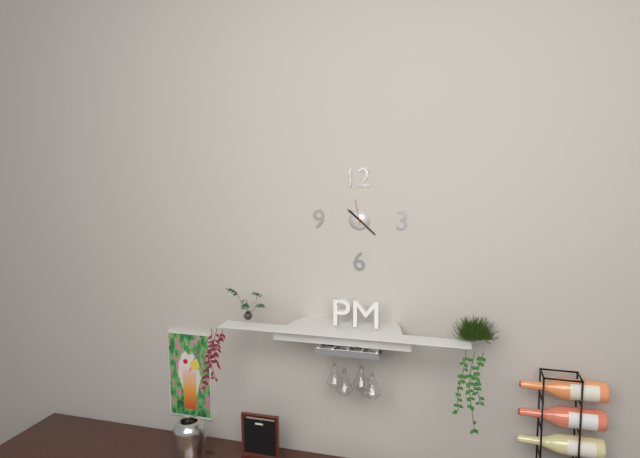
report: 10,22
